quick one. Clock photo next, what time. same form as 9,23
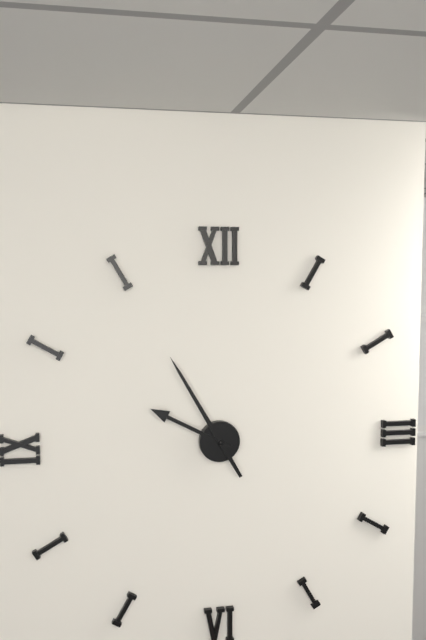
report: 9,55
